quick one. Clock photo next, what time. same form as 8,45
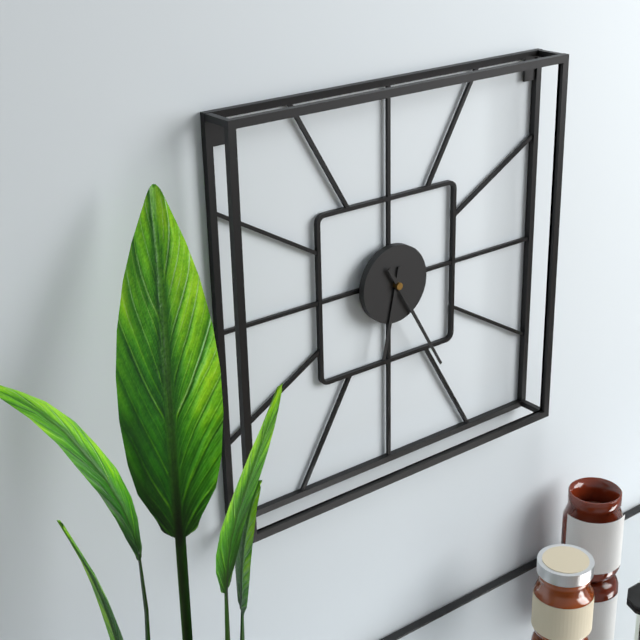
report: 6,25
